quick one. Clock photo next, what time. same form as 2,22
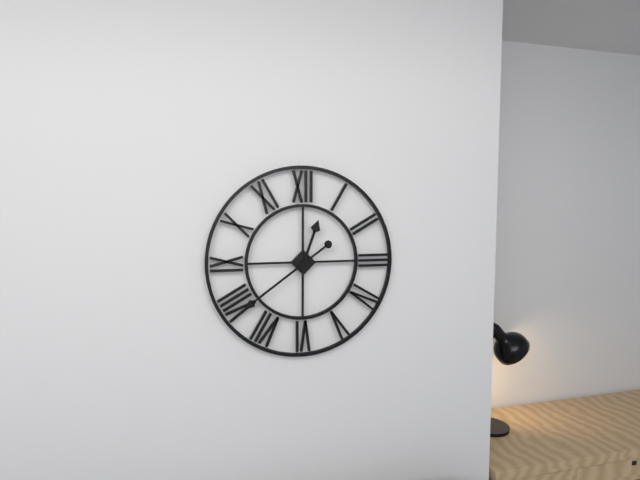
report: 12,39
